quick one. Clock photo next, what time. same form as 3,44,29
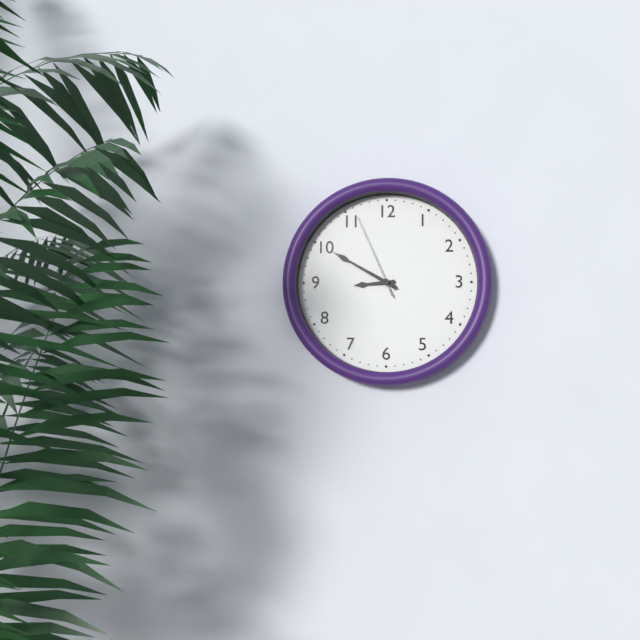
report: 8,50,56
